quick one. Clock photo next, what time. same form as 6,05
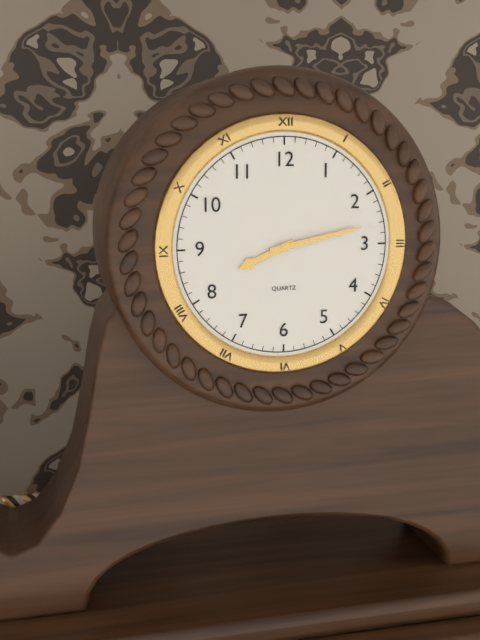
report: 8,13
